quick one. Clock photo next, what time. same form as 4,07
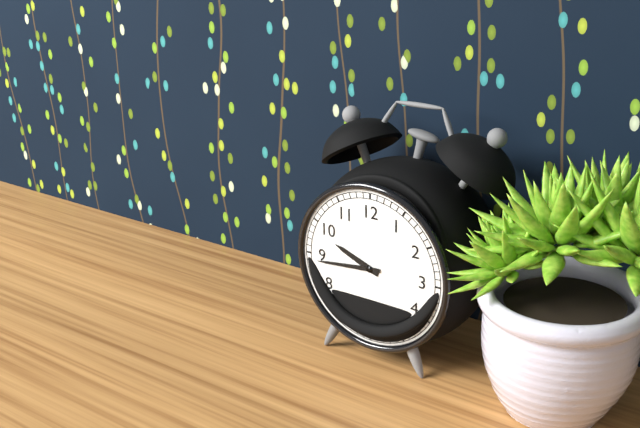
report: 9,44
